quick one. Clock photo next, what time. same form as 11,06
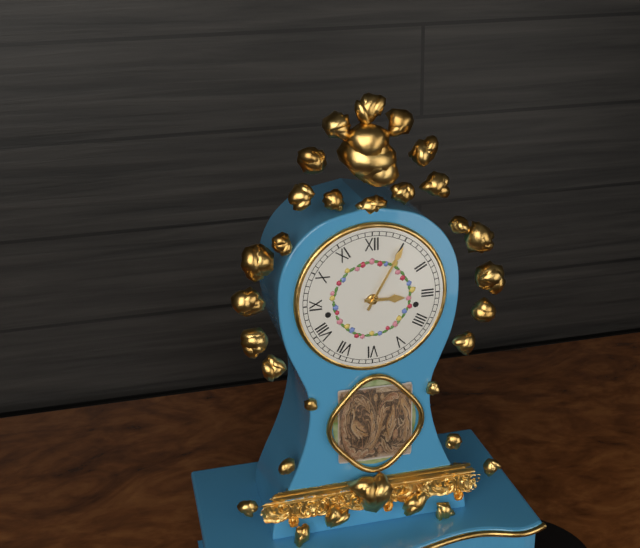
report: 3,05
